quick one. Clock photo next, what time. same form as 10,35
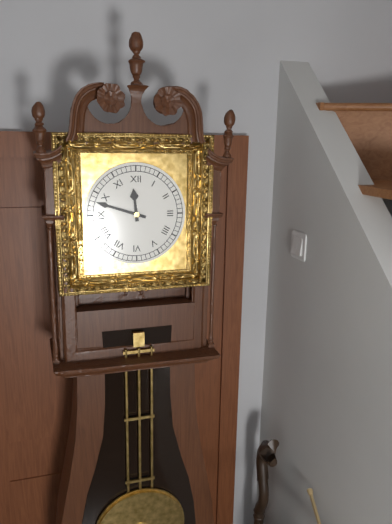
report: 11,48
